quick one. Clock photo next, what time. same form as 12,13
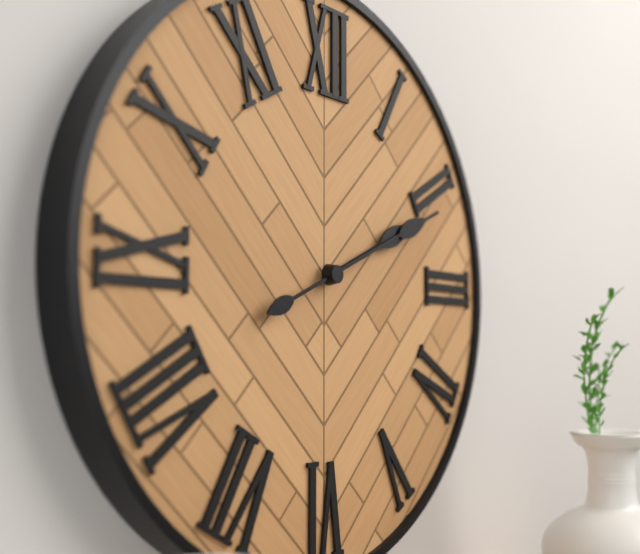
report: 2,11
